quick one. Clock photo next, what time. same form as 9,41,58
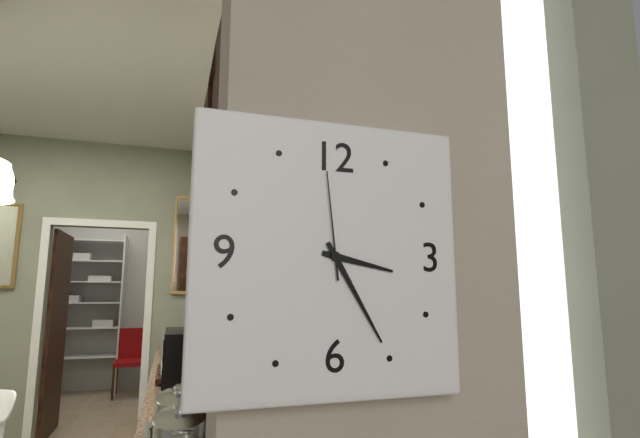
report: 3,25,59
